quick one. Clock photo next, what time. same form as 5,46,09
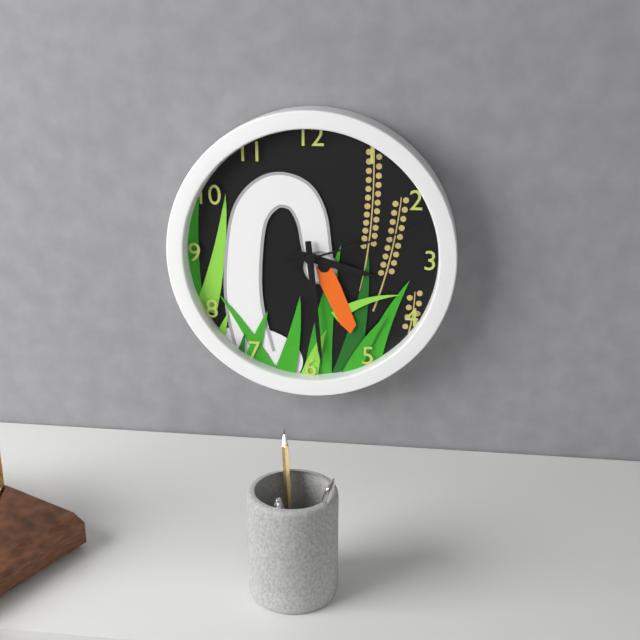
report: 3,29,12
